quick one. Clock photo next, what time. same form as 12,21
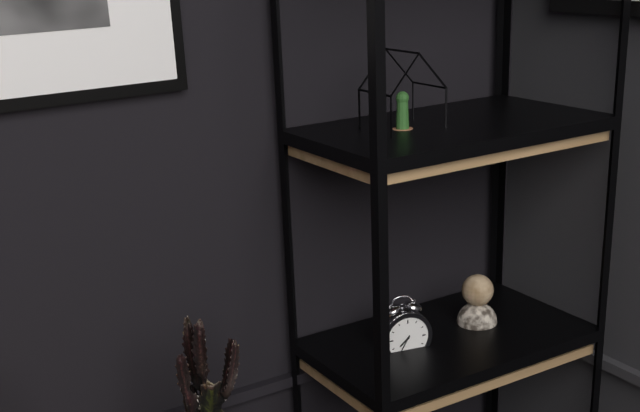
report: 7,35
